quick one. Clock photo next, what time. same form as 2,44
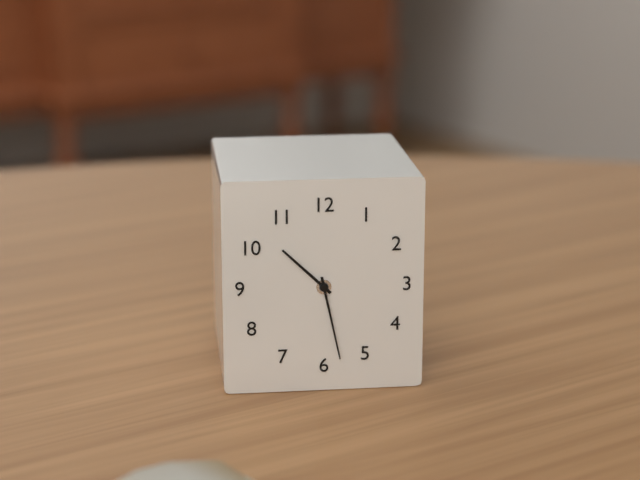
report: 10,28
